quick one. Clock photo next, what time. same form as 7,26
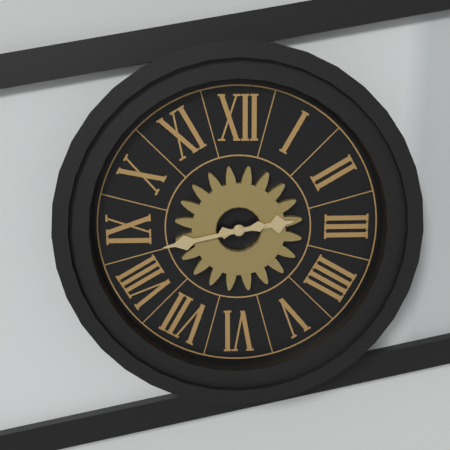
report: 2,43
